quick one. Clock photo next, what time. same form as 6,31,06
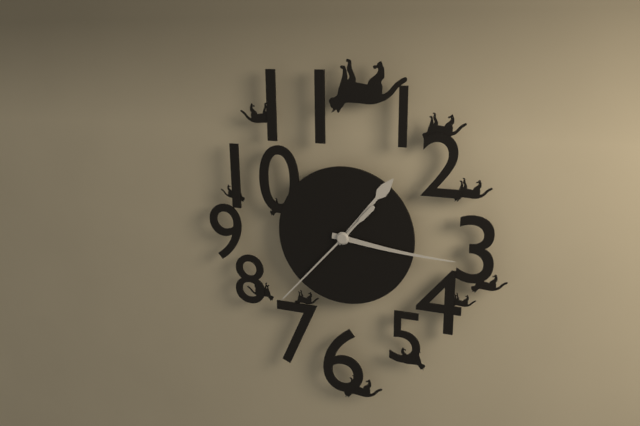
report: 1,16,37
